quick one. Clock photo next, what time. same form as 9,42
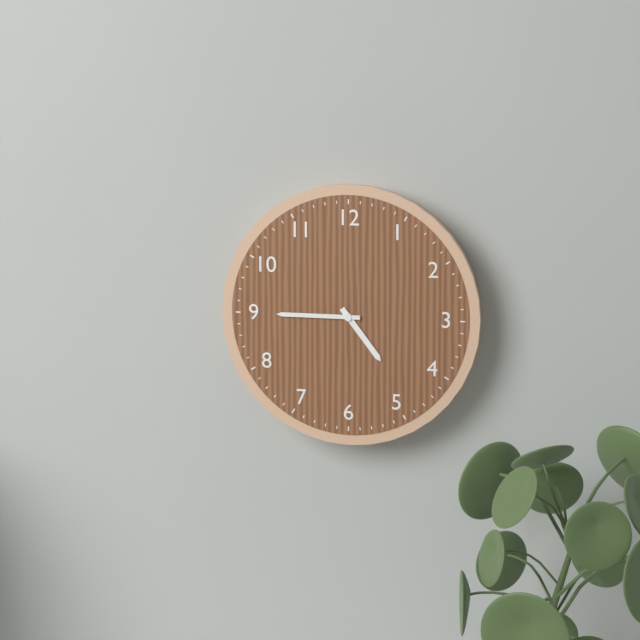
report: 4,45
